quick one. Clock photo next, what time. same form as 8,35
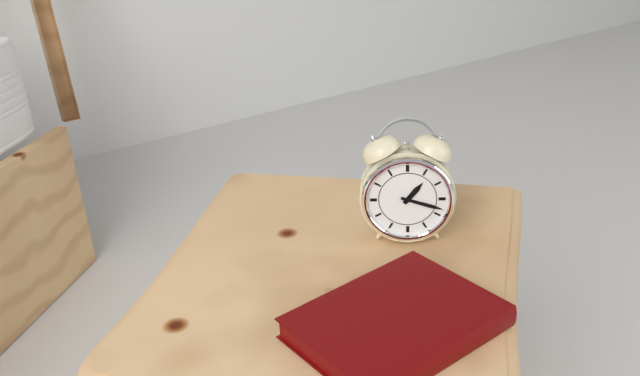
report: 1,18
